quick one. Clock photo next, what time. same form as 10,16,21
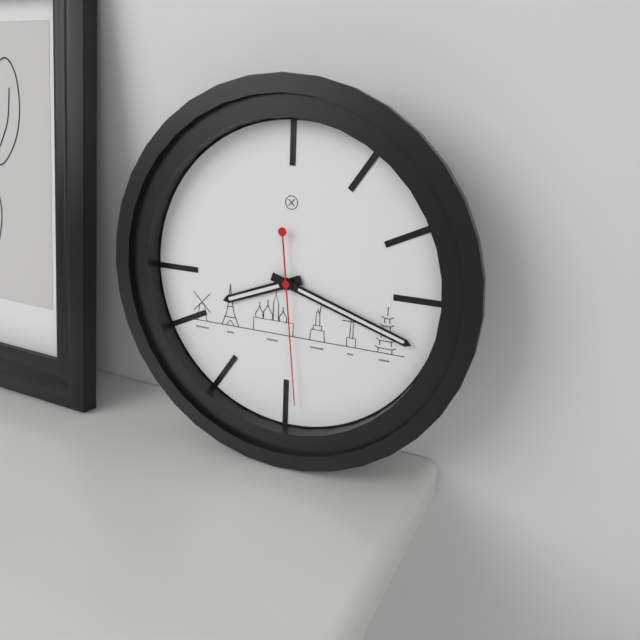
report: 8,18,29
